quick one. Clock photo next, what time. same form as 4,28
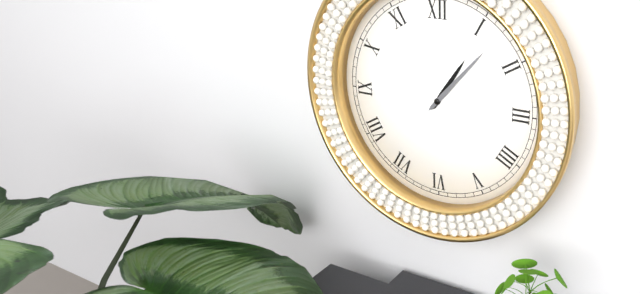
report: 1,07
